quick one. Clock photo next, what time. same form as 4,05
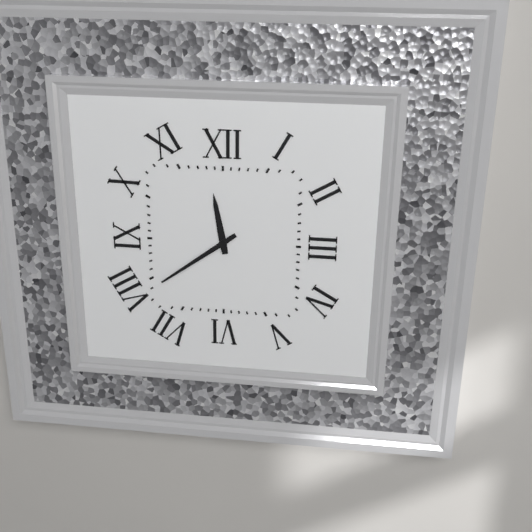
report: 11,39
